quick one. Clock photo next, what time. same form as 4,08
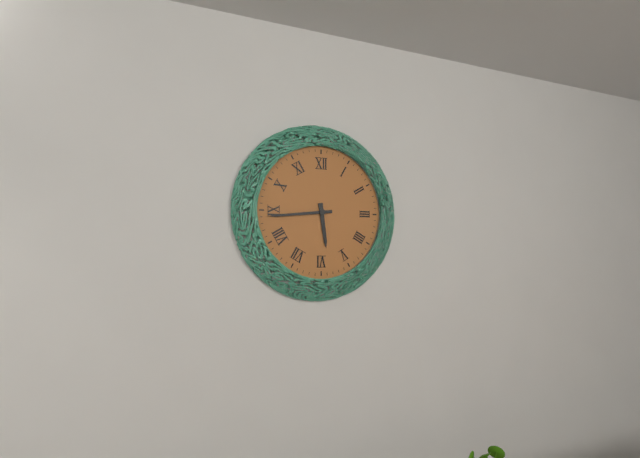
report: 5,44
